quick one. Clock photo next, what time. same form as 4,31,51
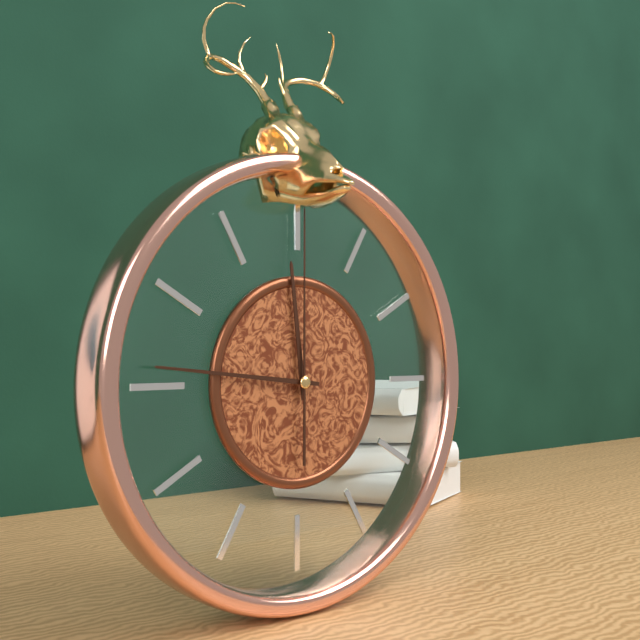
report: 11,46,00
